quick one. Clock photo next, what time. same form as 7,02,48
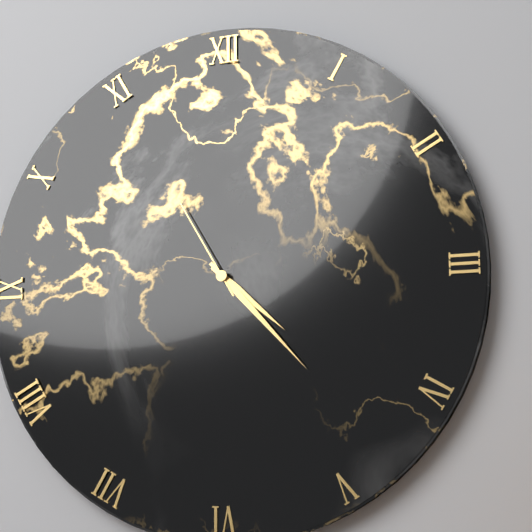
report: 4,23,55
